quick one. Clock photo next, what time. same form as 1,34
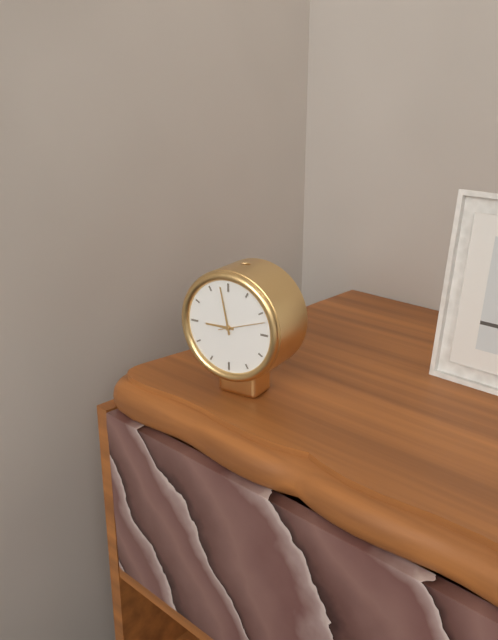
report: 8,58
